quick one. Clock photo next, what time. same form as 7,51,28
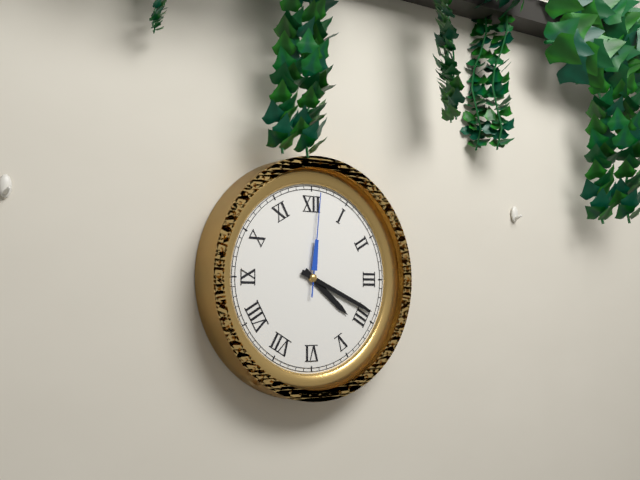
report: 4,19,01
